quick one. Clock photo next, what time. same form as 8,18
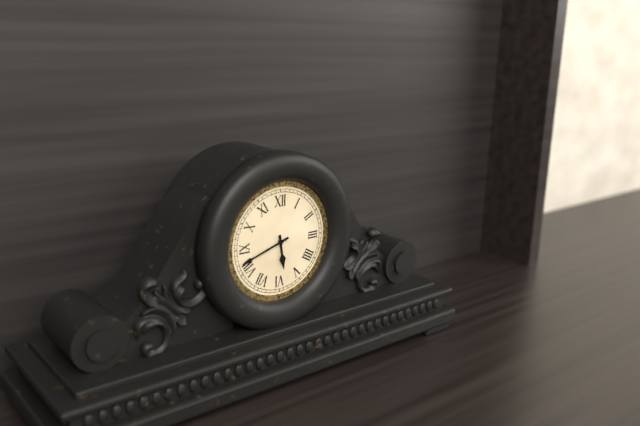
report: 5,42
